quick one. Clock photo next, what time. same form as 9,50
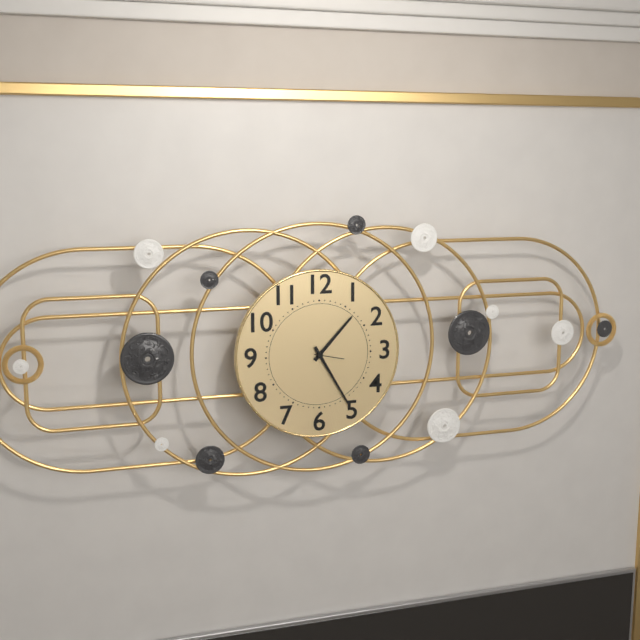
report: 1,25
